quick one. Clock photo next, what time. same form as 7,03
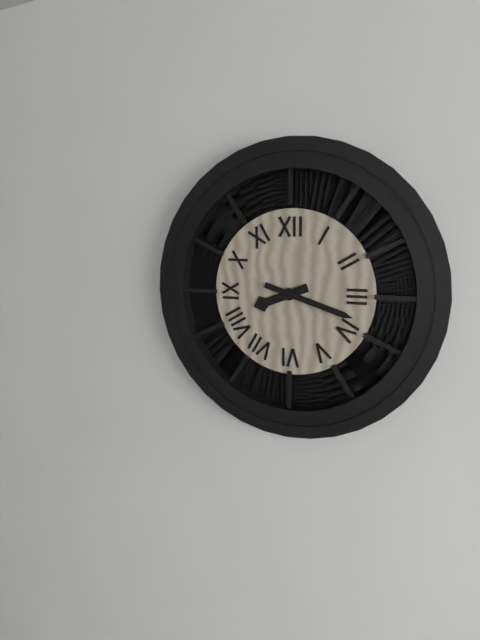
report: 8,18
